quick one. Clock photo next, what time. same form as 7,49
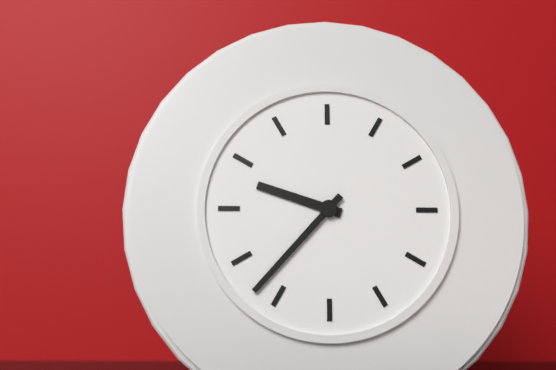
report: 9,37
